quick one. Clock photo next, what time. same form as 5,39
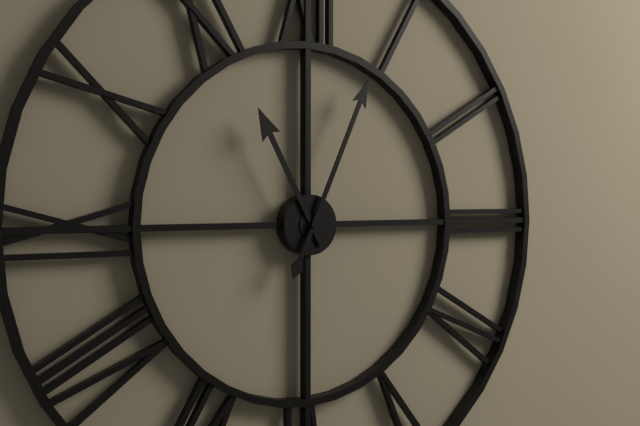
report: 11,04
